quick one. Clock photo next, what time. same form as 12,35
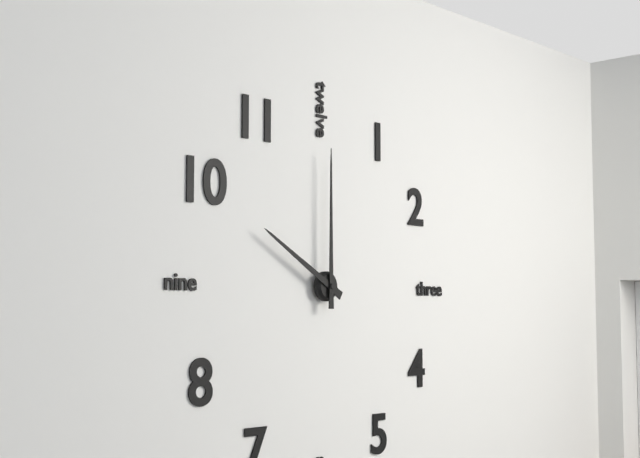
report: 10,00
